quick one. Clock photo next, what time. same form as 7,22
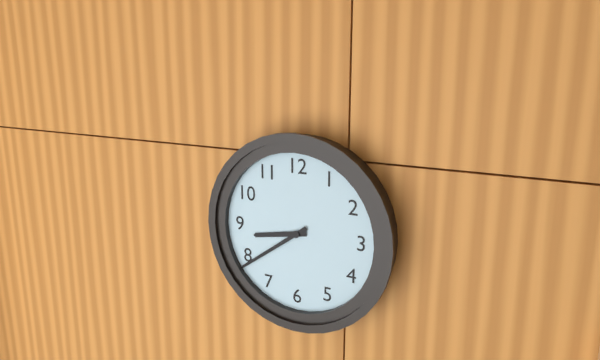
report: 8,39
